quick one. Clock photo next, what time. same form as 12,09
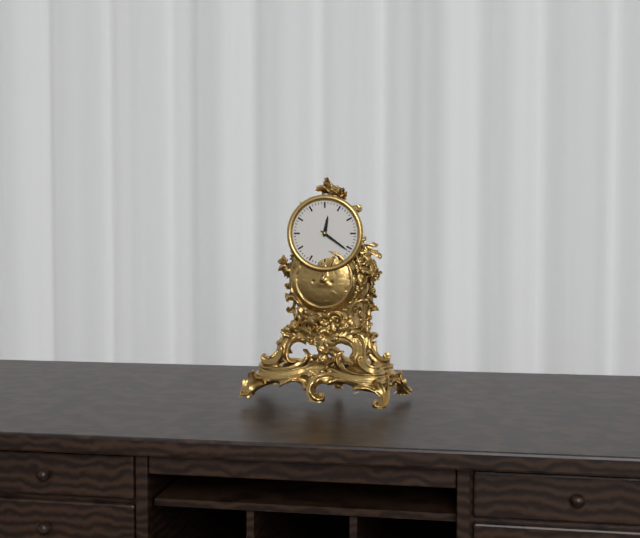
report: 12,21
